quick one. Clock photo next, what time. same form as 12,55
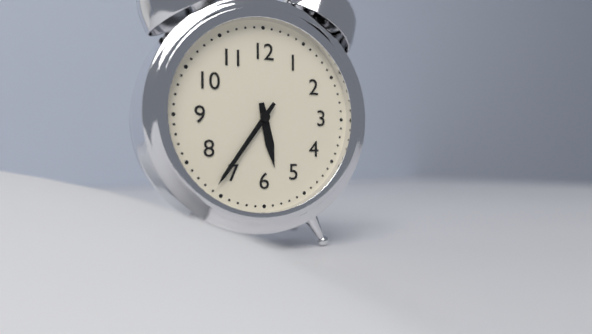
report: 5,36
